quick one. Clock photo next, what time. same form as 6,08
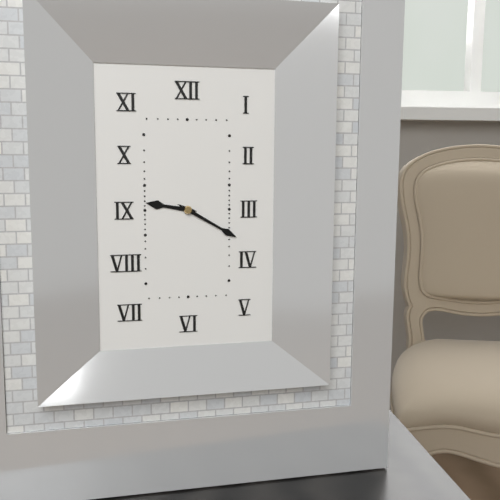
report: 9,20
